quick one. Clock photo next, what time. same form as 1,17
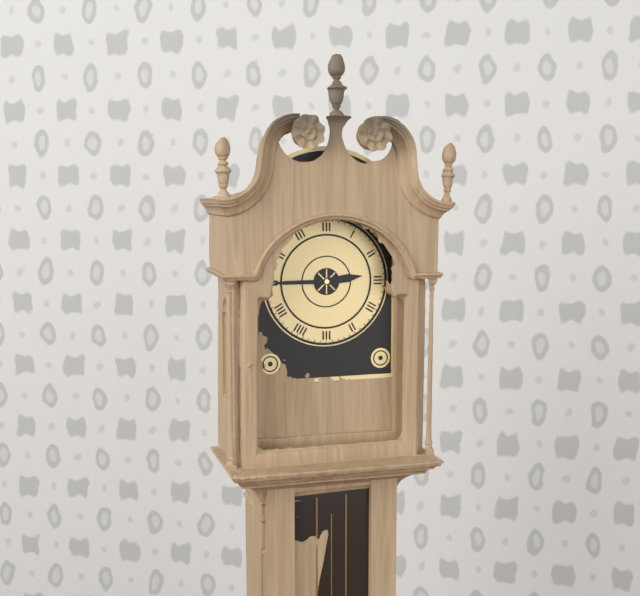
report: 2,45
